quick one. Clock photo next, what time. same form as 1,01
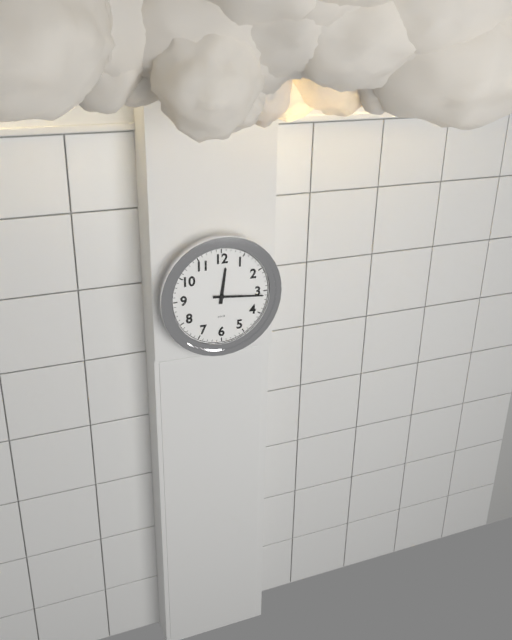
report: 12,16
